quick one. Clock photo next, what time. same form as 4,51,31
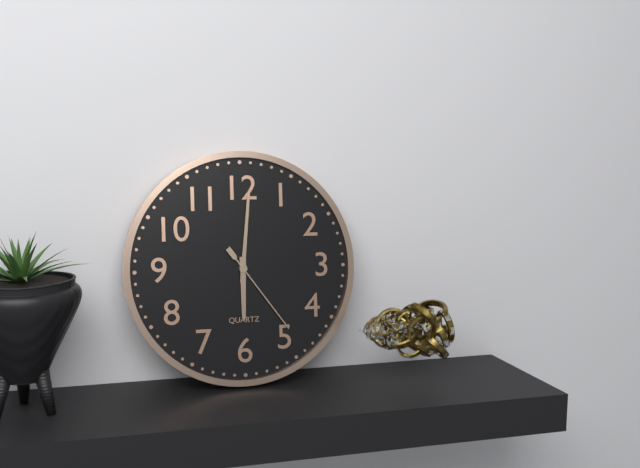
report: 6,01,24
